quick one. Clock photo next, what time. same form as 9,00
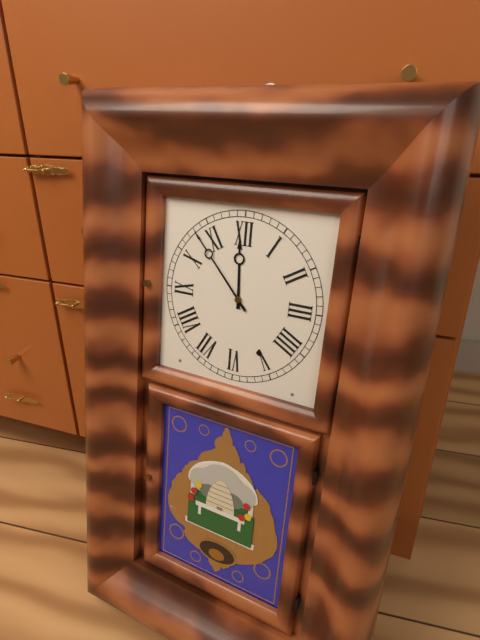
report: 11,53
